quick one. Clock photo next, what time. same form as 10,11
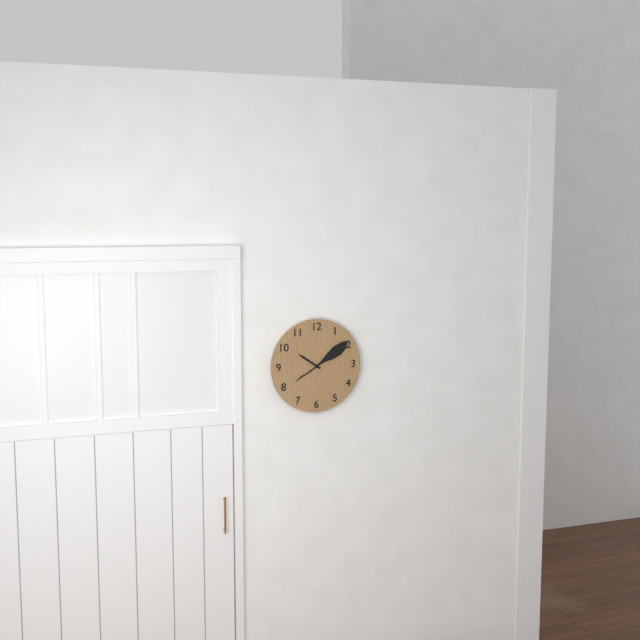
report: 10,09
